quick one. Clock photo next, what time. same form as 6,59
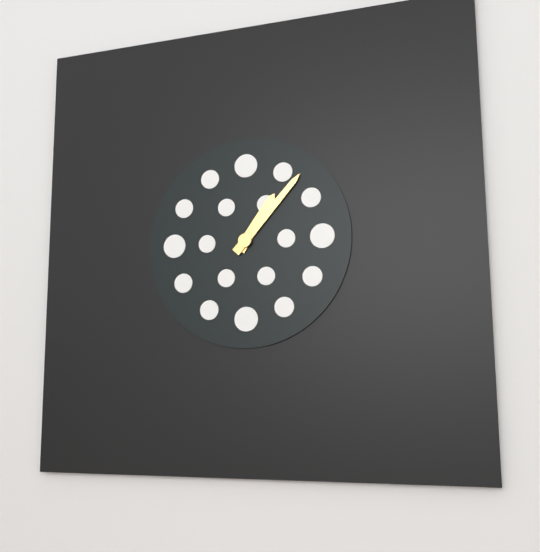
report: 1,07
